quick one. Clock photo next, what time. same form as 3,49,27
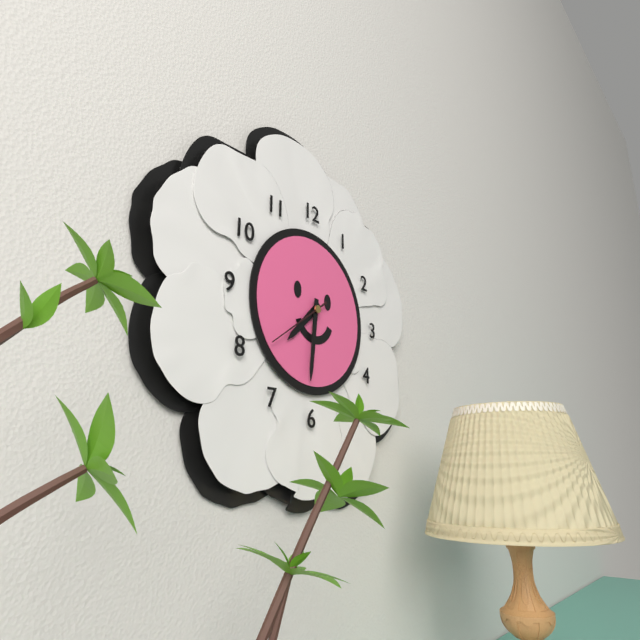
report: 7,31,39
